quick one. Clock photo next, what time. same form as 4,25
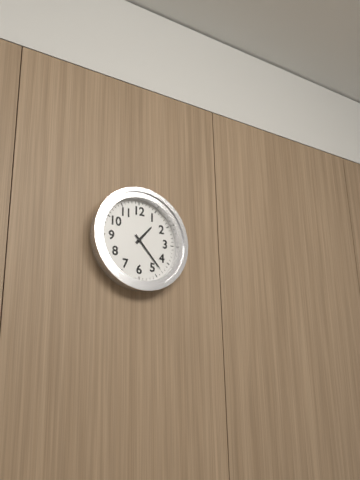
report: 1,23
